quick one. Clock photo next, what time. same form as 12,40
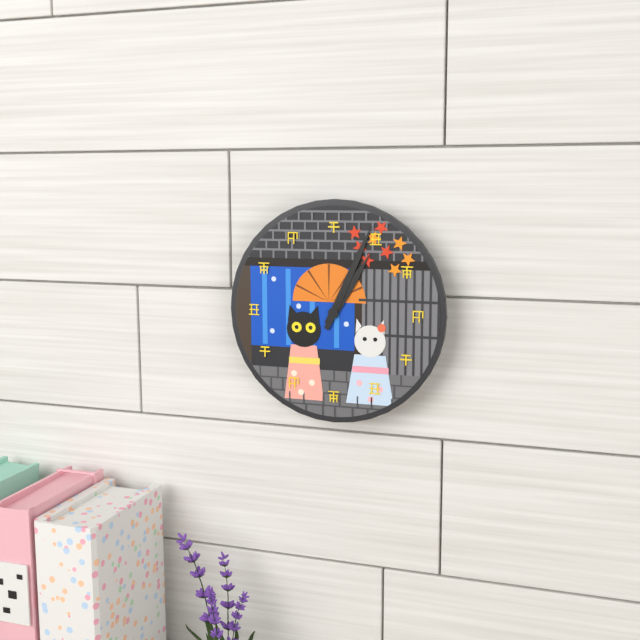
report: 1,04
